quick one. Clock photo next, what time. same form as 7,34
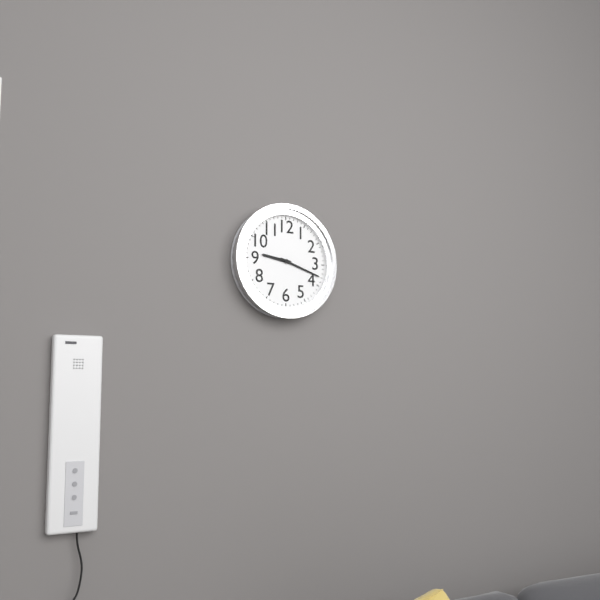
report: 9,18
